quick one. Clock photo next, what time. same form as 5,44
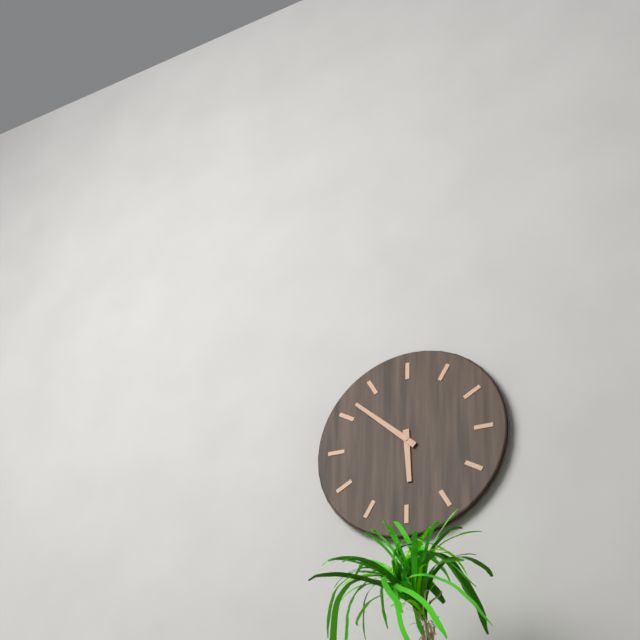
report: 5,52
